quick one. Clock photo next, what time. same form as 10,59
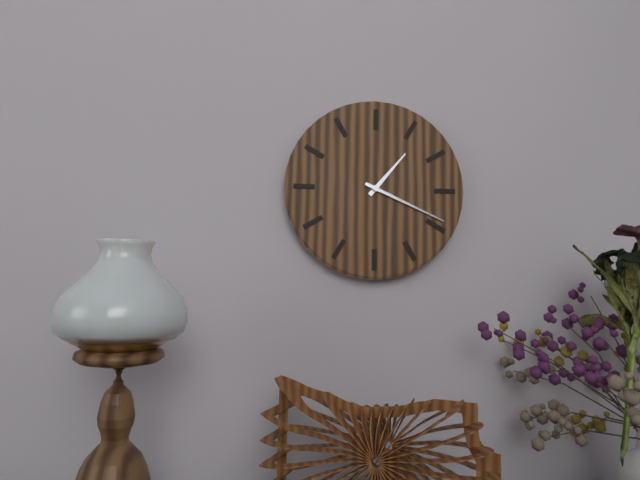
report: 1,19
